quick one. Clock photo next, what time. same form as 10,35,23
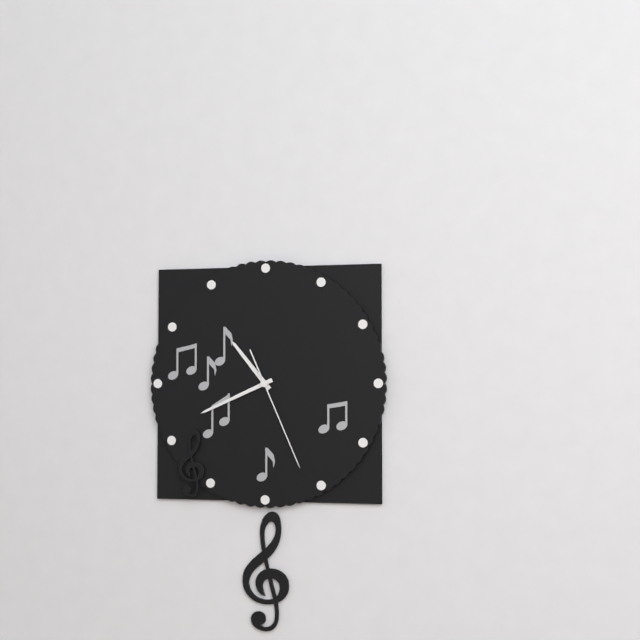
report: 10,41,26
